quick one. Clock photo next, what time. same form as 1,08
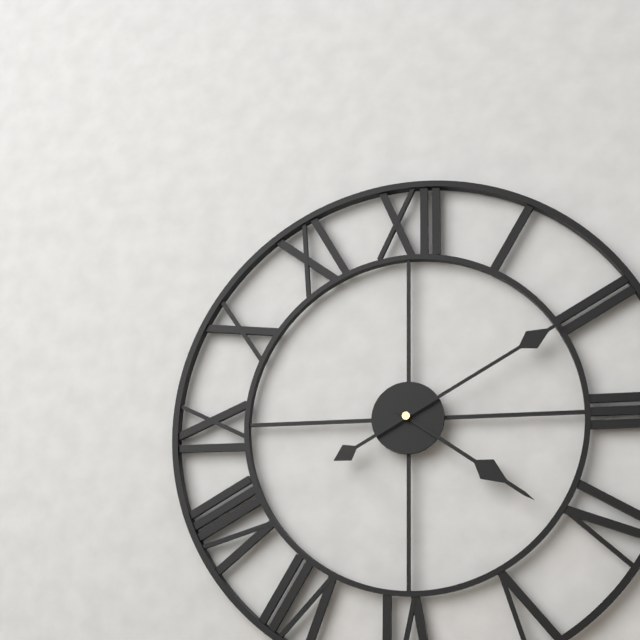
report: 4,10
